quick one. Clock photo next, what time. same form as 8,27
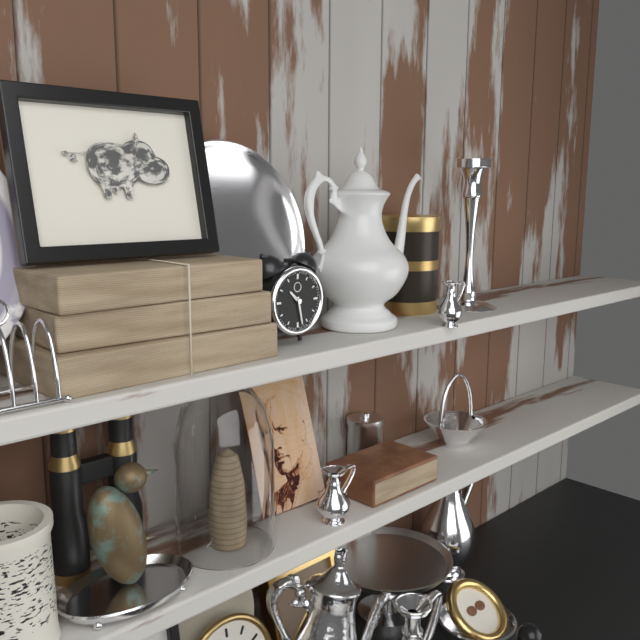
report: 10,28
